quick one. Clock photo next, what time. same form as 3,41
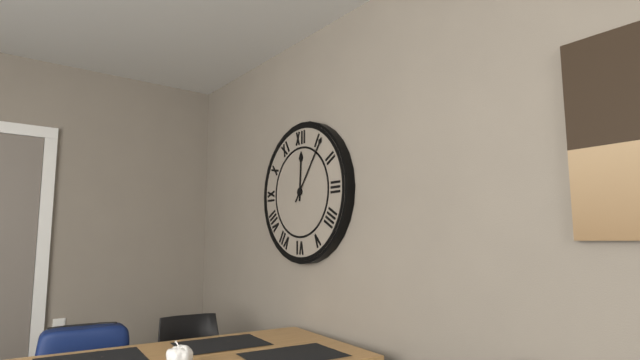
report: 12,06
